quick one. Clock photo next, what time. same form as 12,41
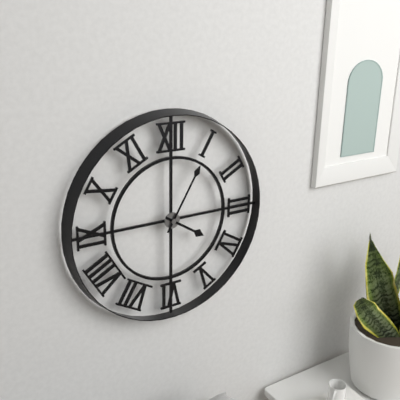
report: 4,05
